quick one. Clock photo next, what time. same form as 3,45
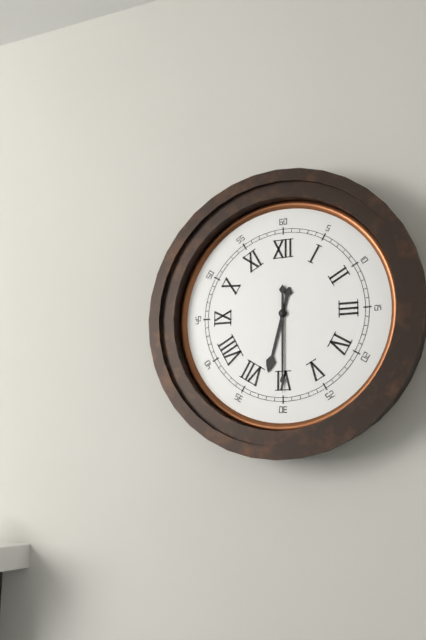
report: 6,30
